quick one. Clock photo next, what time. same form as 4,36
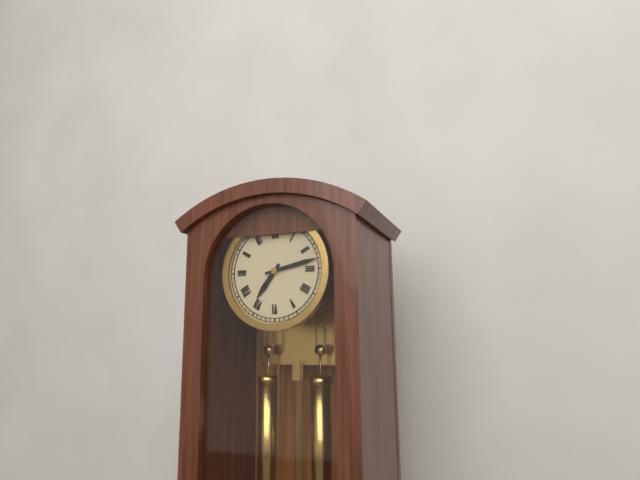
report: 7,13
